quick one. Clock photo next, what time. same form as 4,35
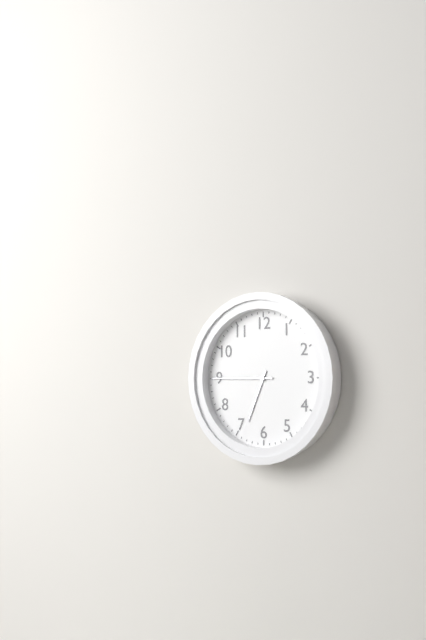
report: 6,45
